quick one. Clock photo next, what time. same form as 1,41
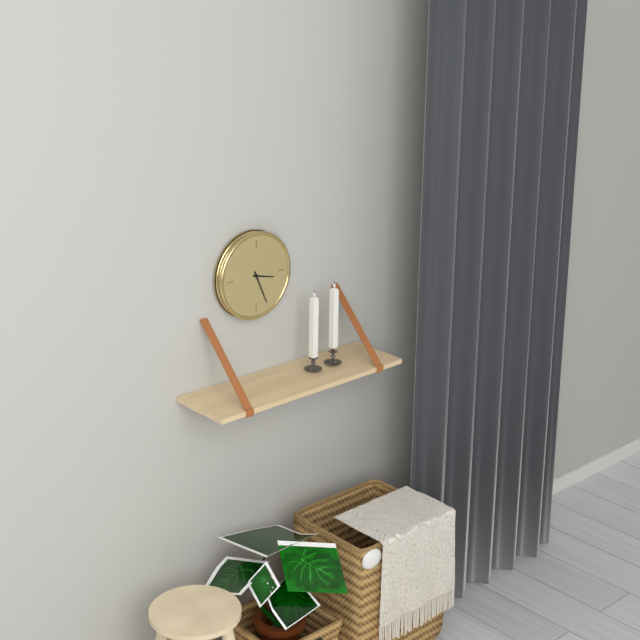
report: 3,26
